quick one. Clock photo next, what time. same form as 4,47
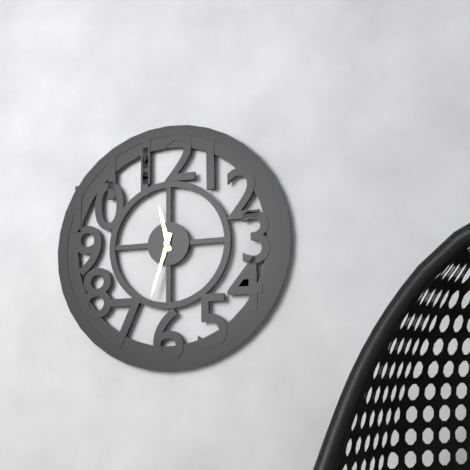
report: 11,33
